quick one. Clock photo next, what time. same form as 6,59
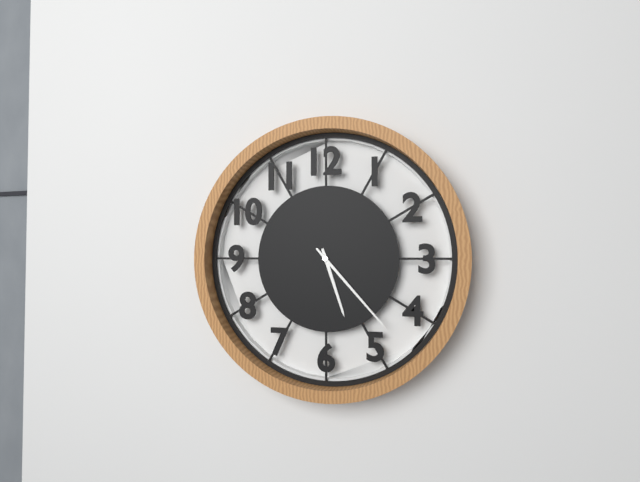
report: 5,23
